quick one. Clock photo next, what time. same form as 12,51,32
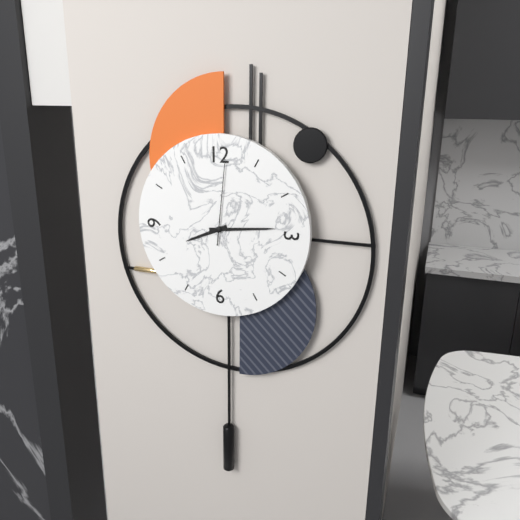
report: 8,14,01
